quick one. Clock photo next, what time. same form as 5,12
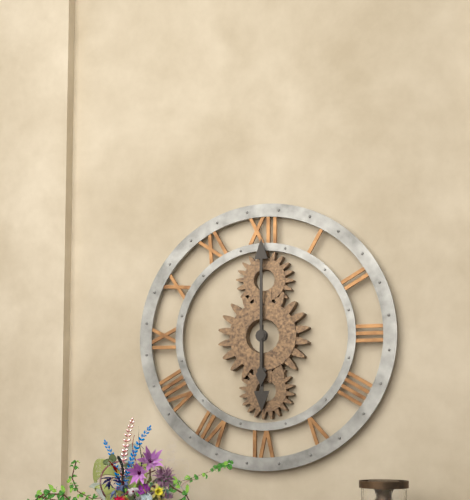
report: 6,00
